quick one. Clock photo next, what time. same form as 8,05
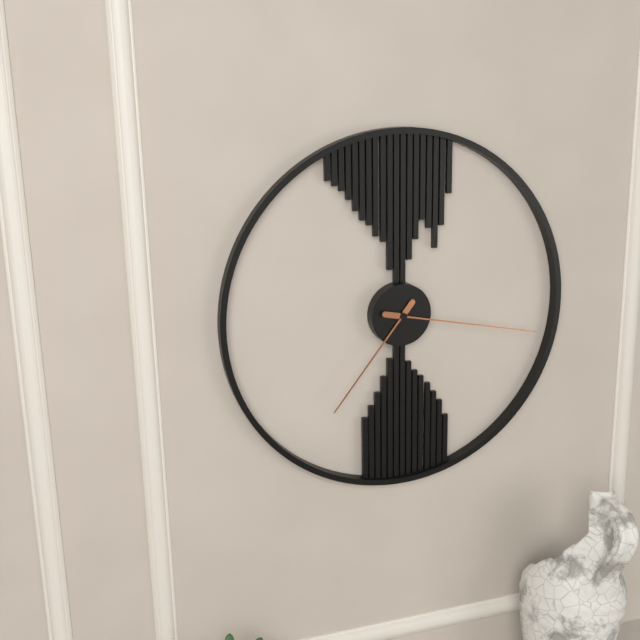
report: 7,17
